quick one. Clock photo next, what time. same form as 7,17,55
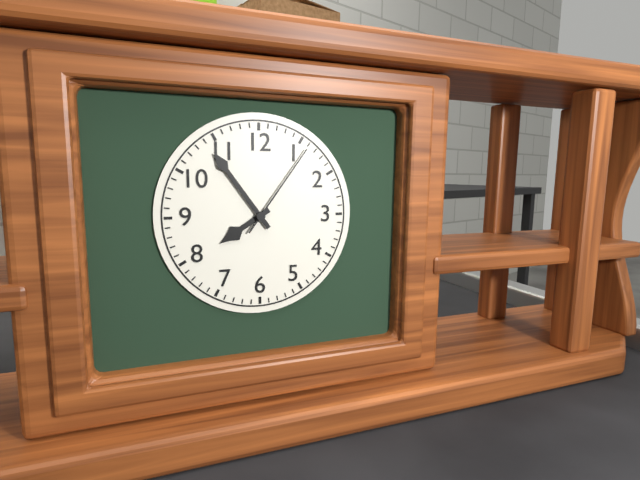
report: 7,54,06
